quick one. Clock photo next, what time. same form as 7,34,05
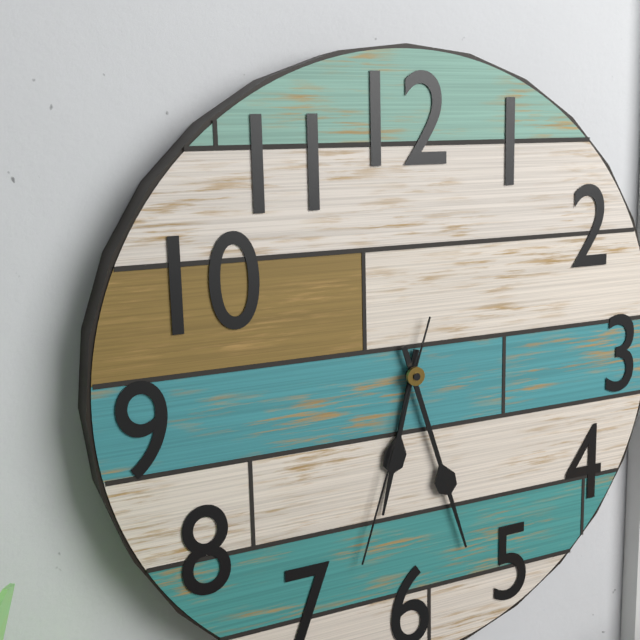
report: 6,27,33
